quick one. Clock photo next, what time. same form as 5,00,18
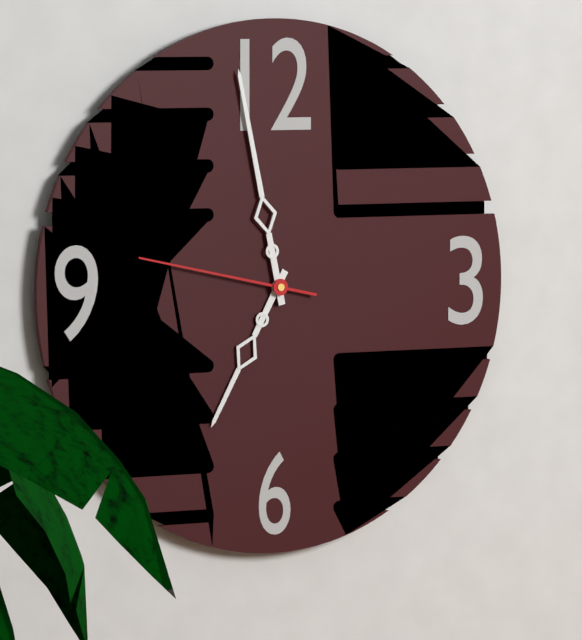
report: 6,58,47
